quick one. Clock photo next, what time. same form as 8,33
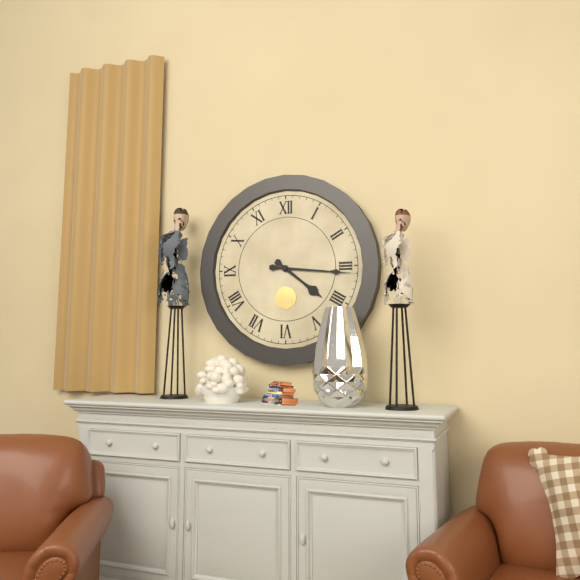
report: 4,16
